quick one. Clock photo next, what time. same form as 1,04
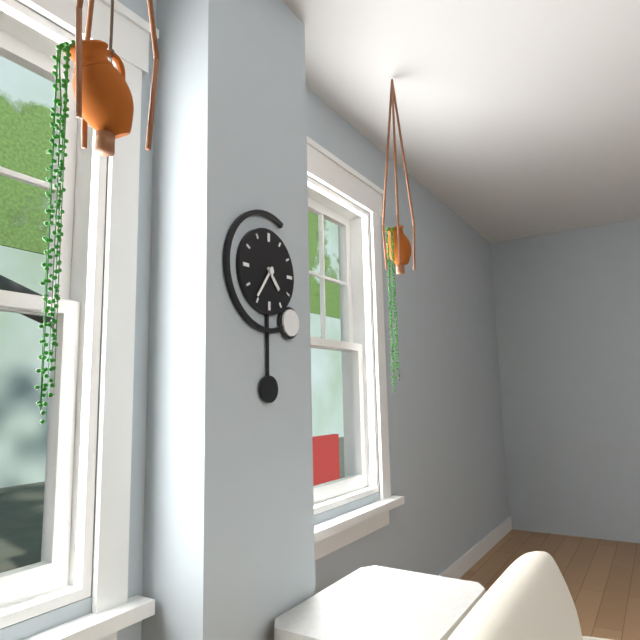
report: 4,36
